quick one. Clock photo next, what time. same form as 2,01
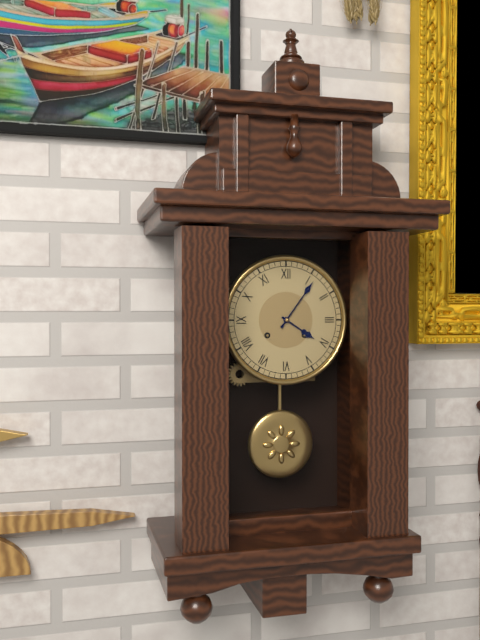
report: 4,06
